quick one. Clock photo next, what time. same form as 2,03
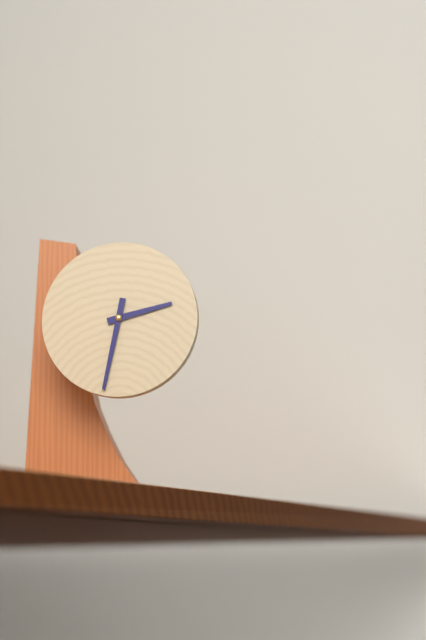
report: 2,32
